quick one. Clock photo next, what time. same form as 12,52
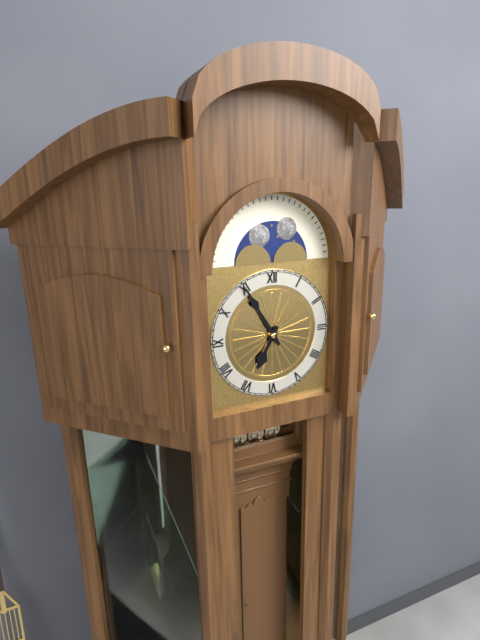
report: 6,55
